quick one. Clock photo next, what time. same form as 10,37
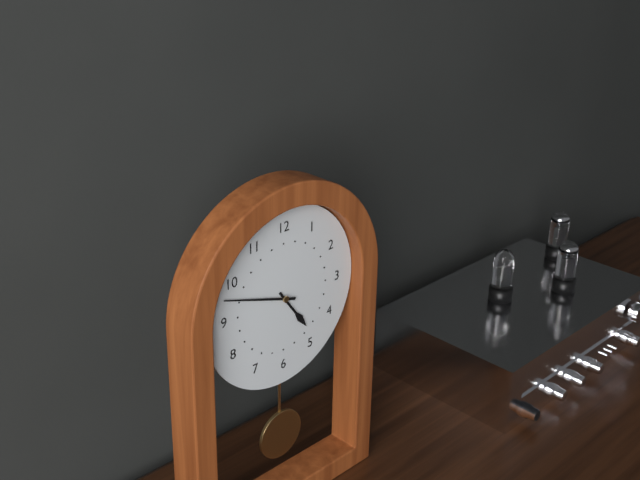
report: 4,48
